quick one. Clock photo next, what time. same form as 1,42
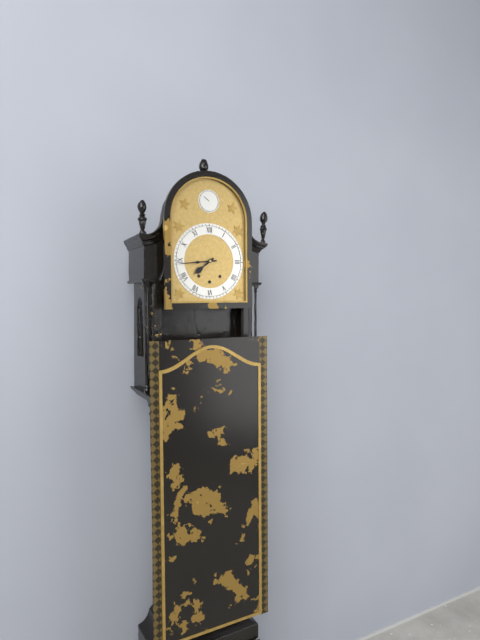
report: 7,44
